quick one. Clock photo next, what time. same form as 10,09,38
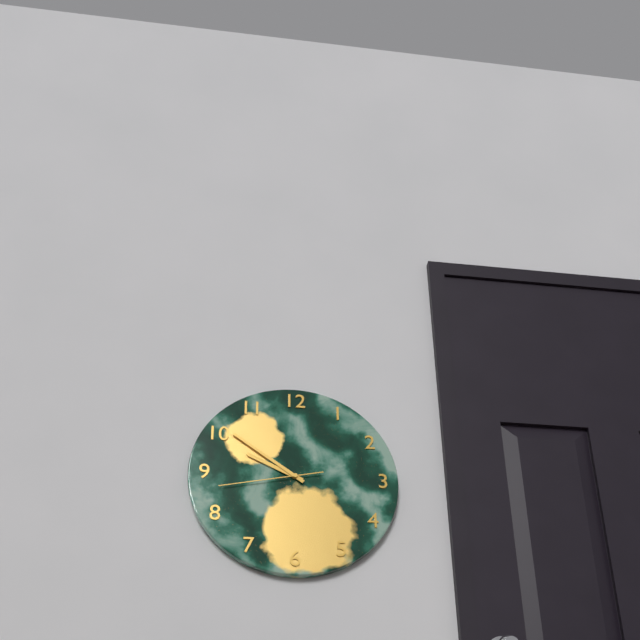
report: 9,51,43
